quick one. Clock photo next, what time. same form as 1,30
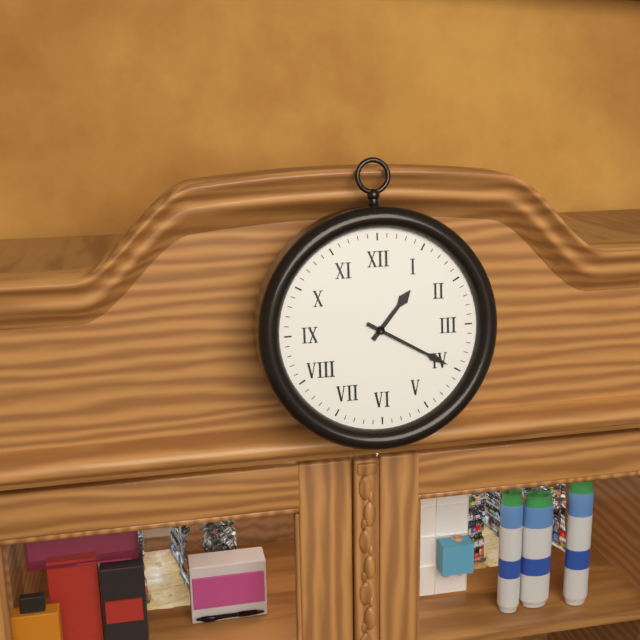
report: 1,20
